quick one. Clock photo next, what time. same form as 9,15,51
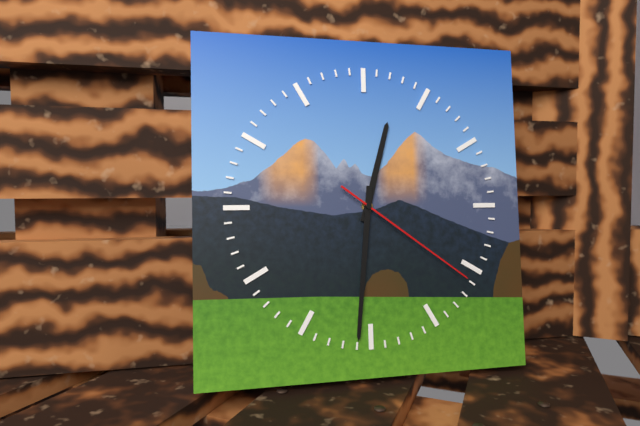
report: 12,31,21
